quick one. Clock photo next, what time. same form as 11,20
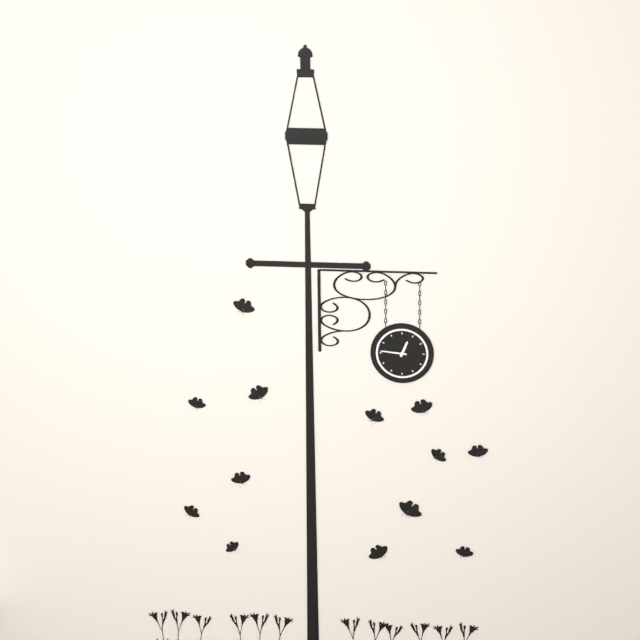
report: 12,46
